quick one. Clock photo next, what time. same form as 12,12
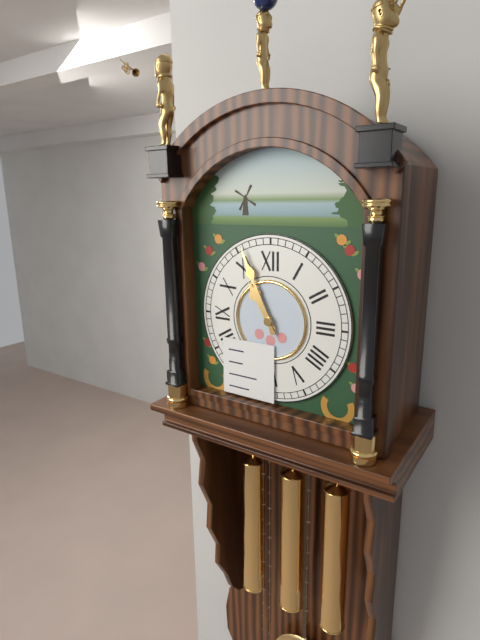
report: 10,56
